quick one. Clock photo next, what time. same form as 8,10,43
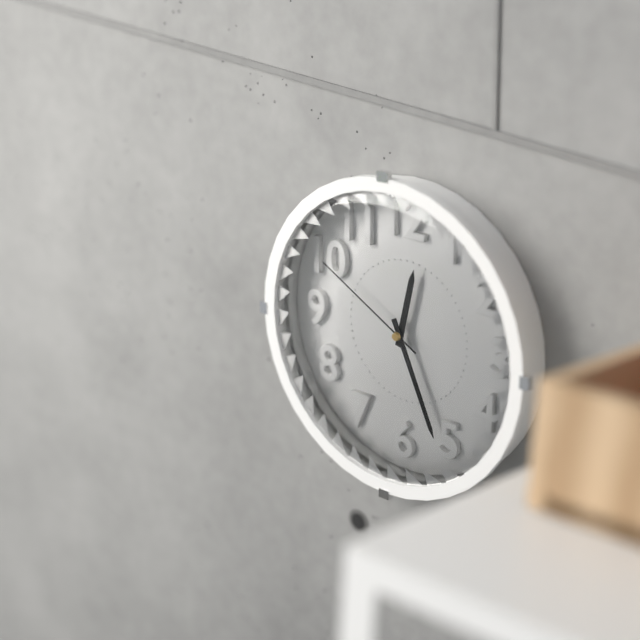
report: 12,26,50
